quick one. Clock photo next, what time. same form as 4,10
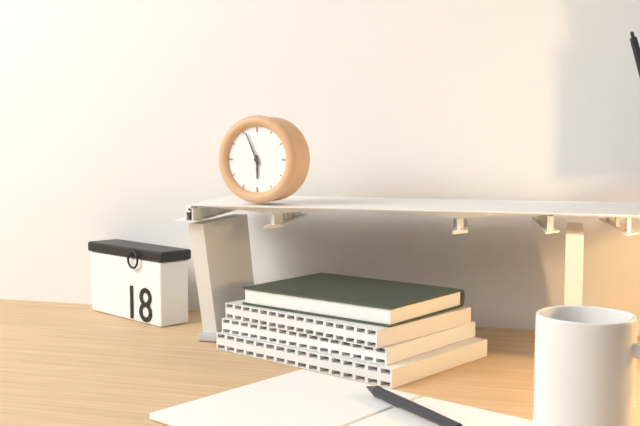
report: 5,56
